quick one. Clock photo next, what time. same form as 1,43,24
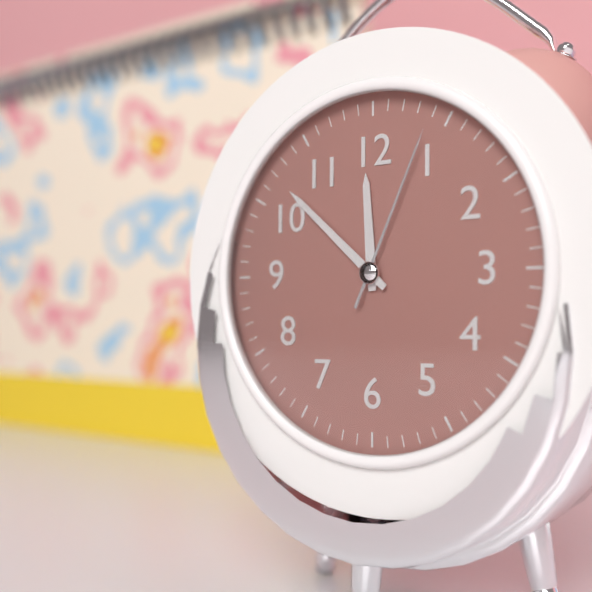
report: 11,52,04
